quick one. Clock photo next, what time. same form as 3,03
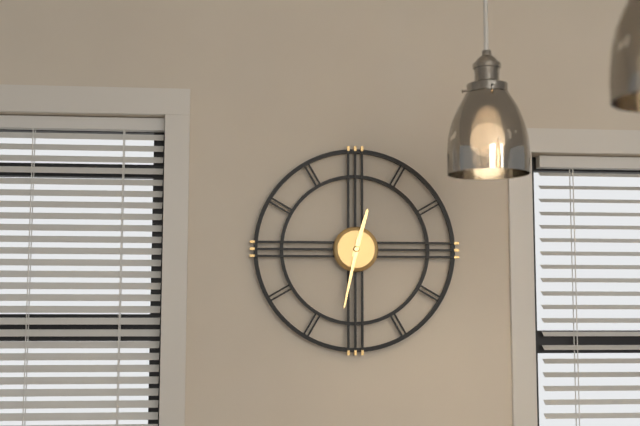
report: 12,32
